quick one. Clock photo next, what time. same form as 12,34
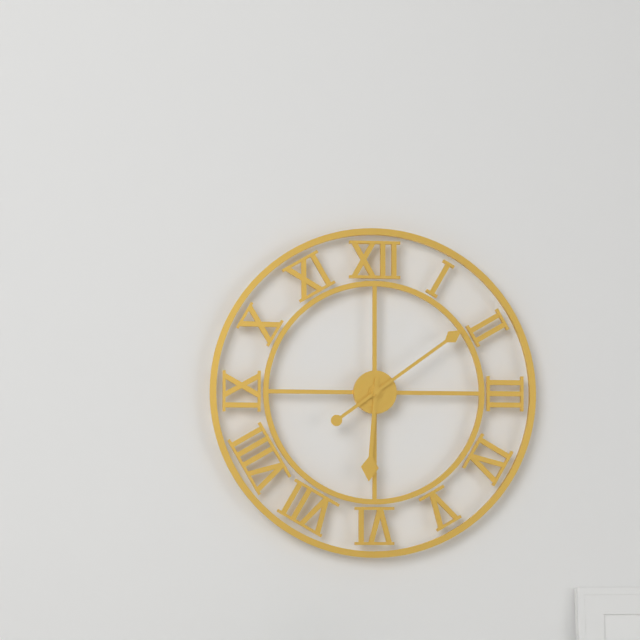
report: 6,09
